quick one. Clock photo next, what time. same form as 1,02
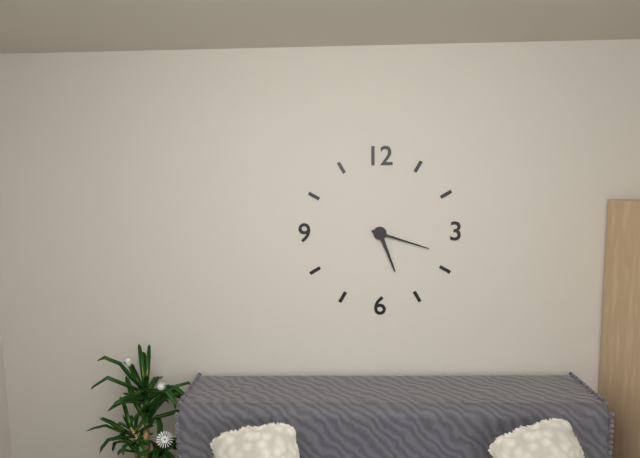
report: 5,18
